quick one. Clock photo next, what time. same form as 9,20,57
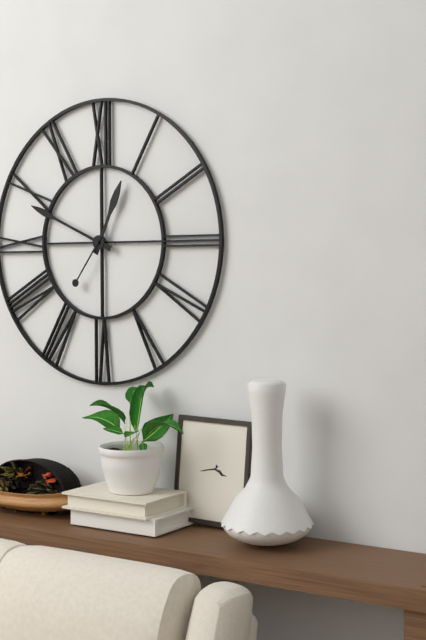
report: 12,49,36
